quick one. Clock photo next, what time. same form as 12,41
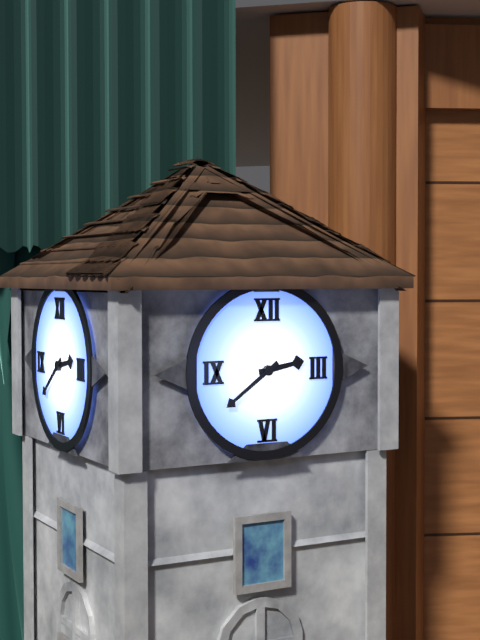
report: 2,39
